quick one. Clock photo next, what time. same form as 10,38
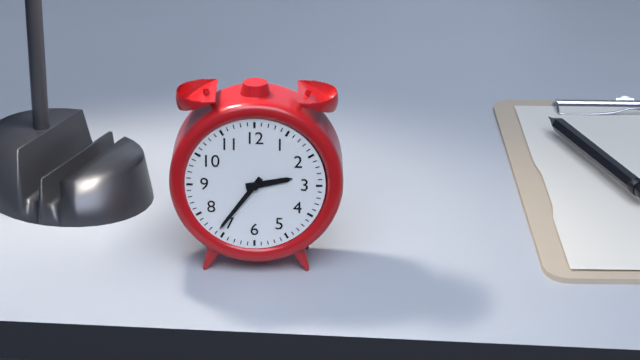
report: 2,36
